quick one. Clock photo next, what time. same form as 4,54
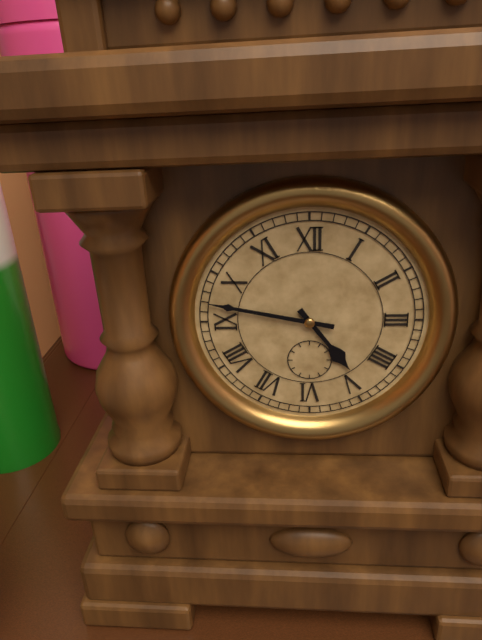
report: 4,47
